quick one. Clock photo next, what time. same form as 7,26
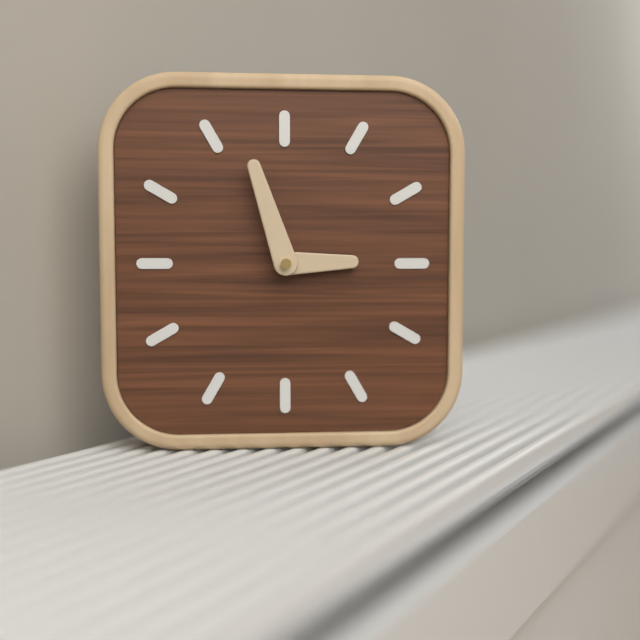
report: 2,57
